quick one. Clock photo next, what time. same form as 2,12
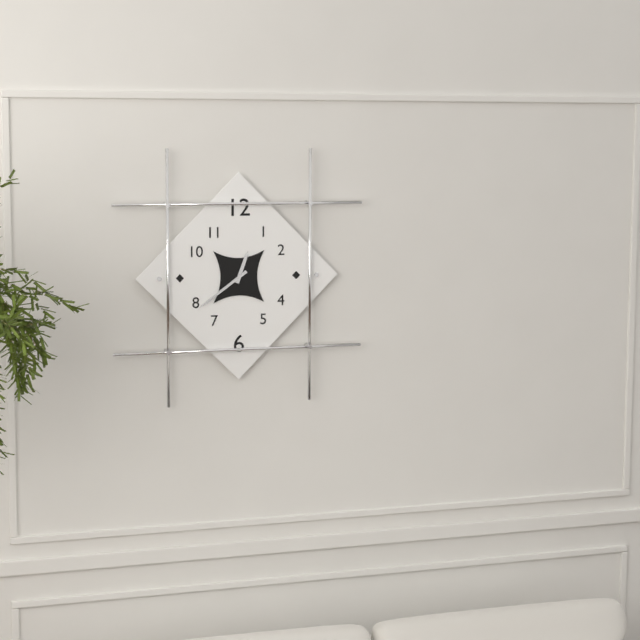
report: 12,39
